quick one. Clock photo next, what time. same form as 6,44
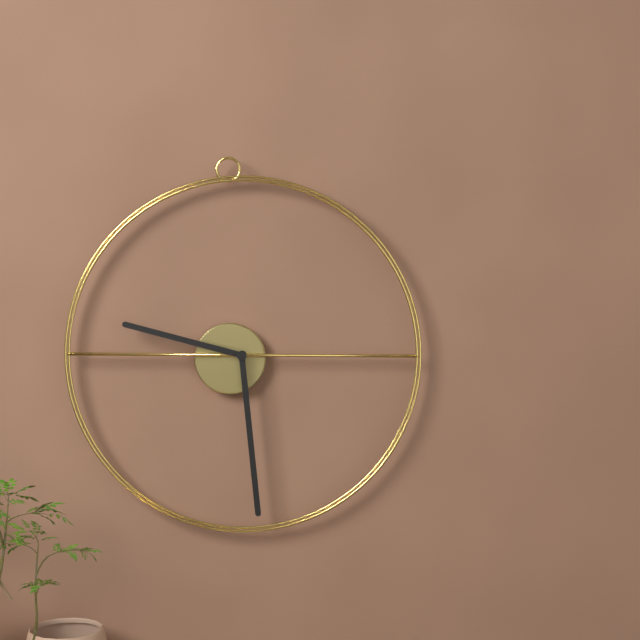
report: 9,29
